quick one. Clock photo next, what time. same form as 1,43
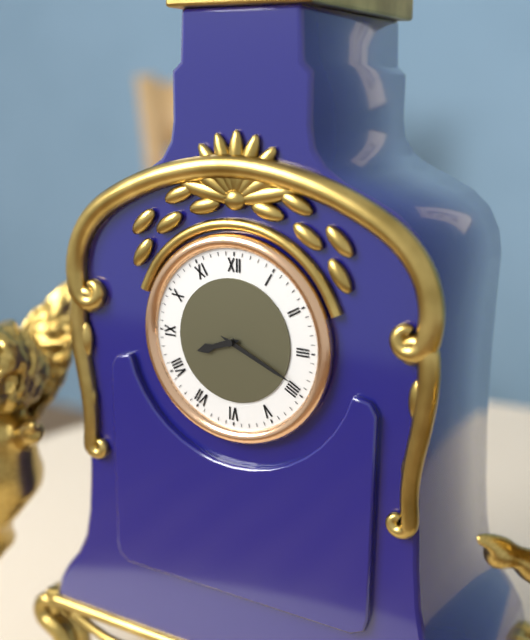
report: 8,19
